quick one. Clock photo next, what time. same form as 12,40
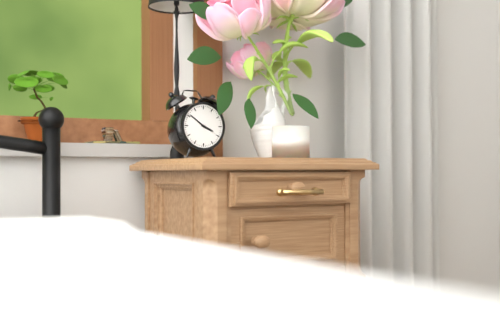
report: 3,51
